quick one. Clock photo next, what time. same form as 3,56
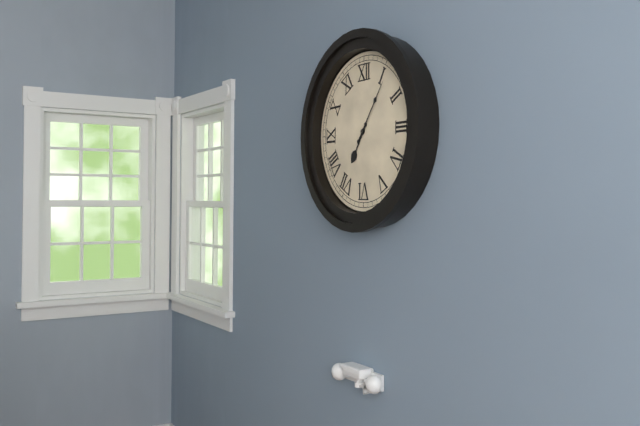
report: 7,06
